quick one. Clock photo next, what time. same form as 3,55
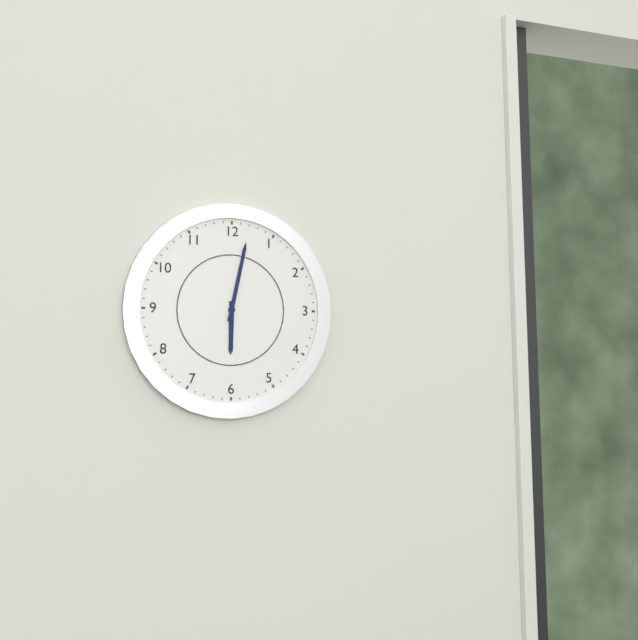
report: 6,02
